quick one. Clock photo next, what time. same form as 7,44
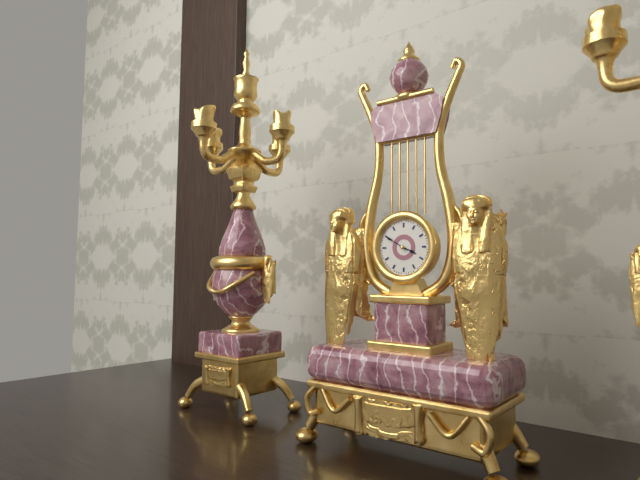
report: 3,50
